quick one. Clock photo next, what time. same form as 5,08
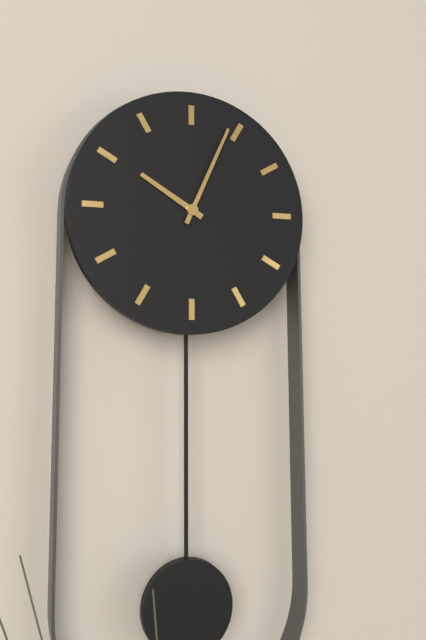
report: 10,04
